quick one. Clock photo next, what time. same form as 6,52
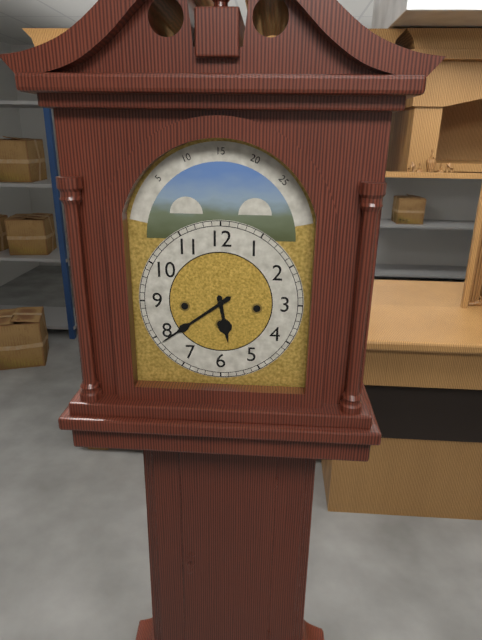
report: 5,39
